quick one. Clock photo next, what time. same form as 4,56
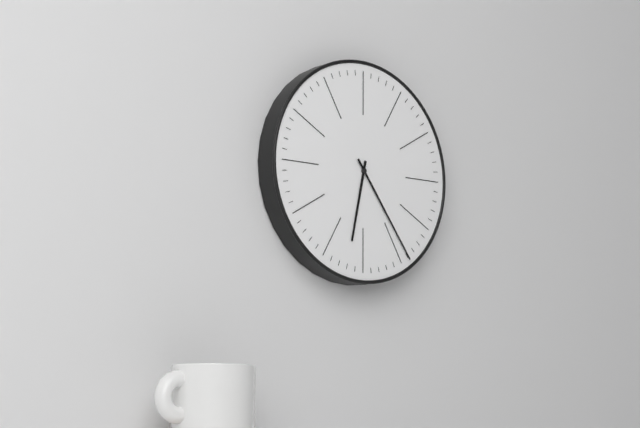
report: 6,24
